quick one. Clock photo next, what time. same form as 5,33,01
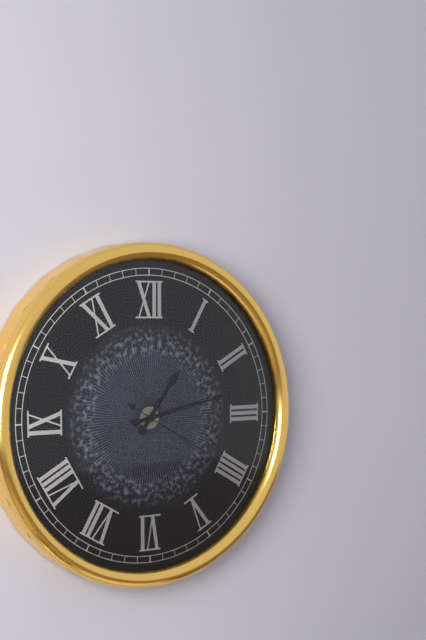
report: 1,13,20
